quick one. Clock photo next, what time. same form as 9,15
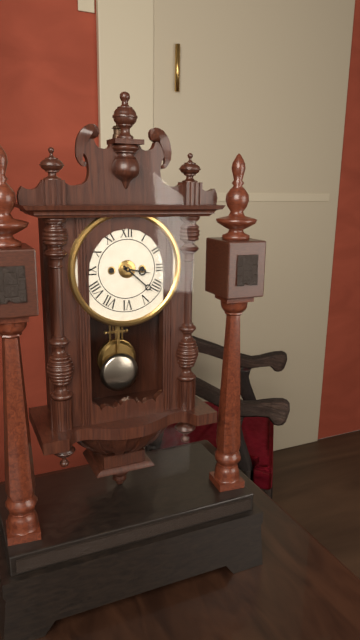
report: 3,22
